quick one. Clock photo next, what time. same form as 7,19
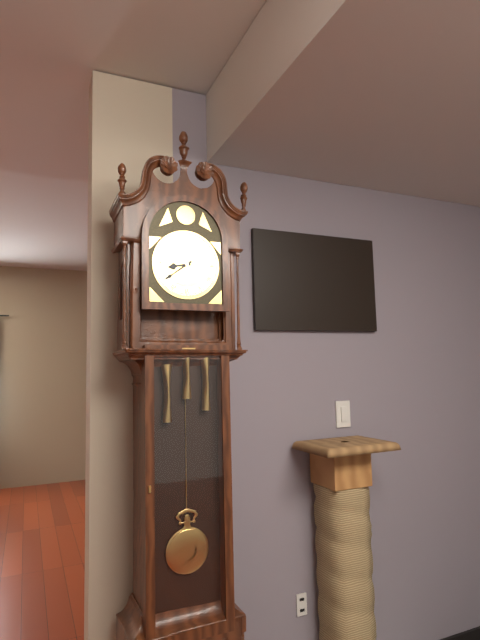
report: 8,39
